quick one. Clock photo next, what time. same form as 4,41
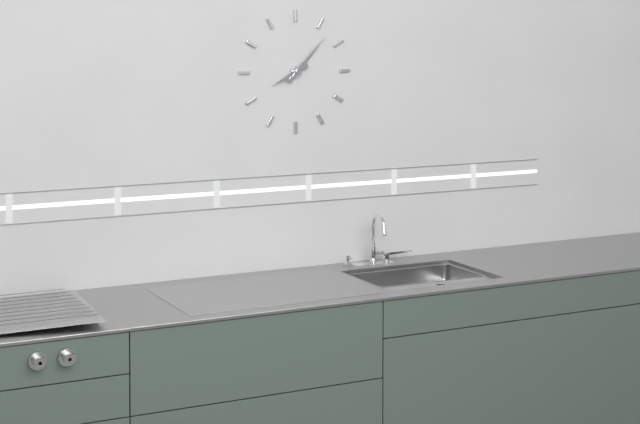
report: 8,07
